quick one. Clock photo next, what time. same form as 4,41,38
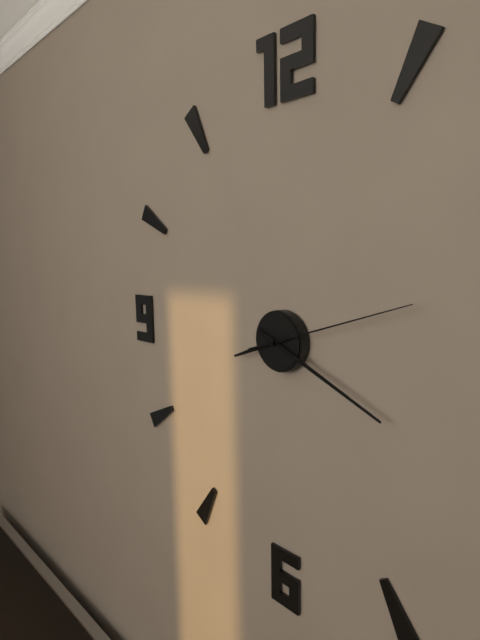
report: 8,19,12
